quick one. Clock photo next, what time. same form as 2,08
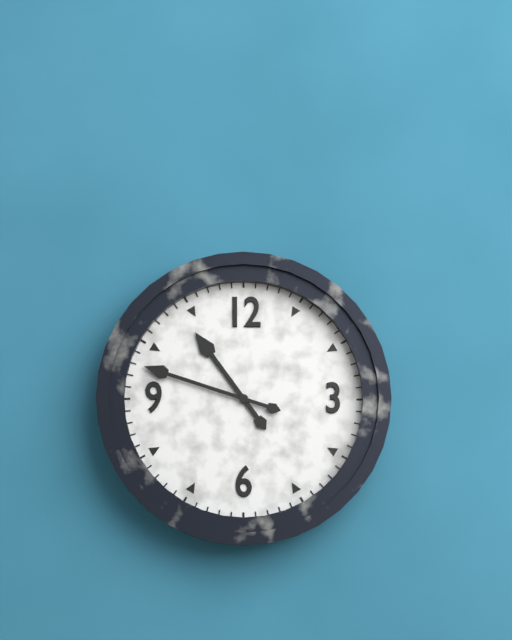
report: 10,48
